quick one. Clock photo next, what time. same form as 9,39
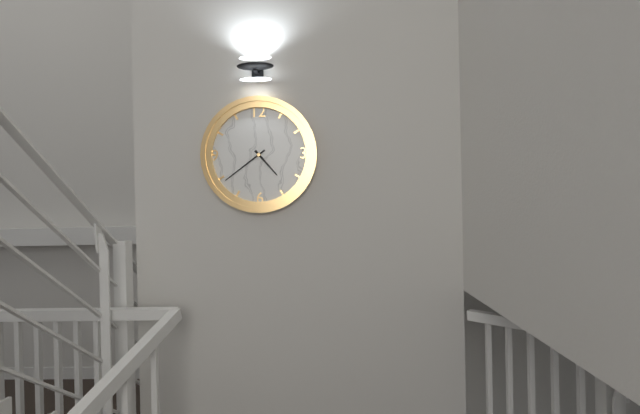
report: 4,39
